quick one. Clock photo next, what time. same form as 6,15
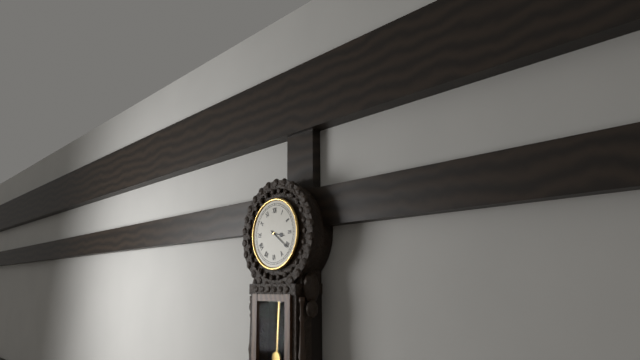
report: 3,21
